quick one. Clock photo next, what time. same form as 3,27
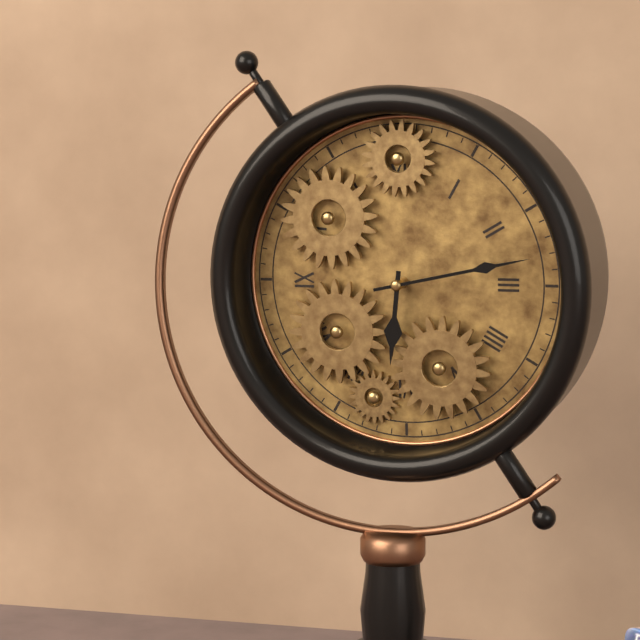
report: 6,13
